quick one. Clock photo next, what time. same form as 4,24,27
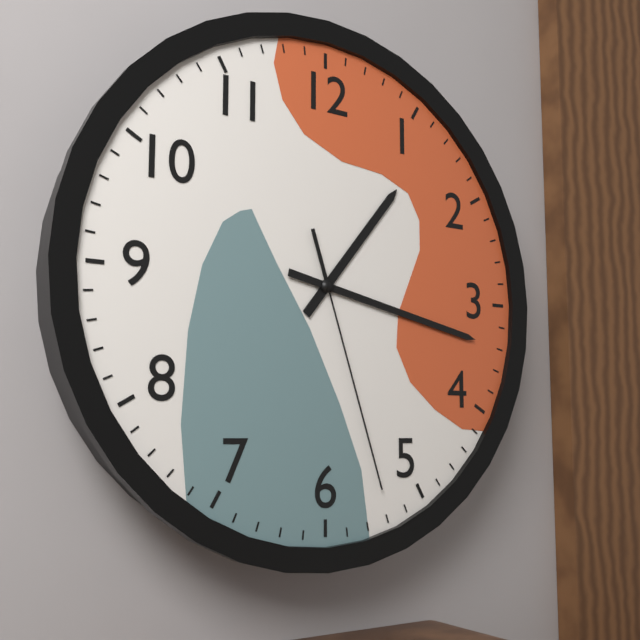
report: 1,17,27
